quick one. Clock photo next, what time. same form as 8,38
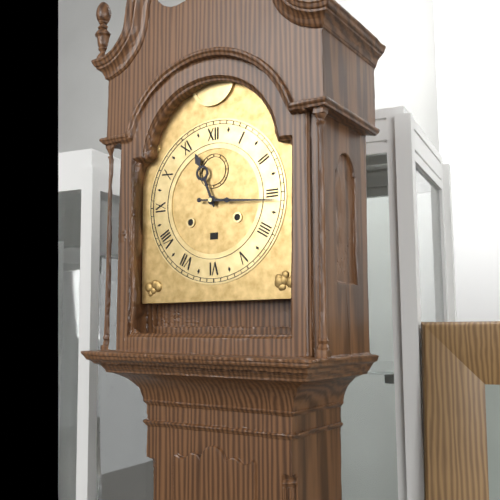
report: 11,16
